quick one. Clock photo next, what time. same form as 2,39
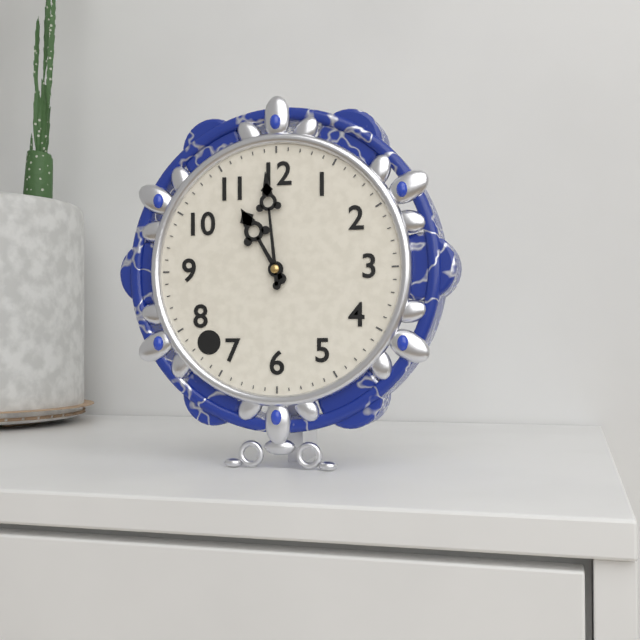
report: 10,59
